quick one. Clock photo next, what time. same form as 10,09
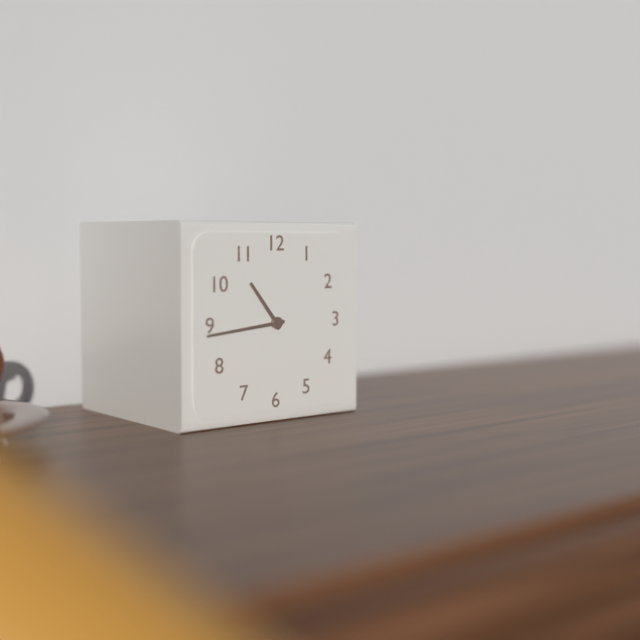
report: 10,44
